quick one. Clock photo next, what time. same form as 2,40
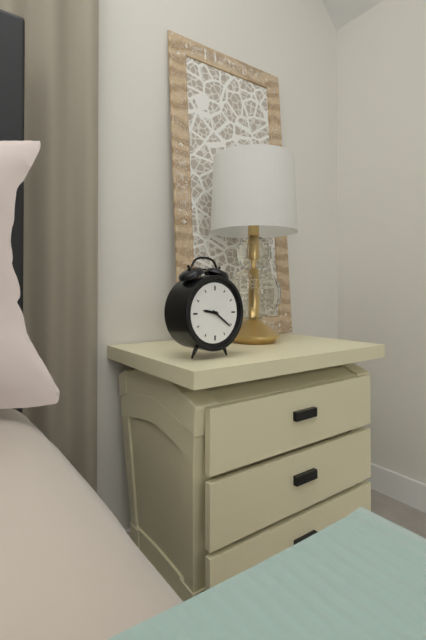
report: 9,21
